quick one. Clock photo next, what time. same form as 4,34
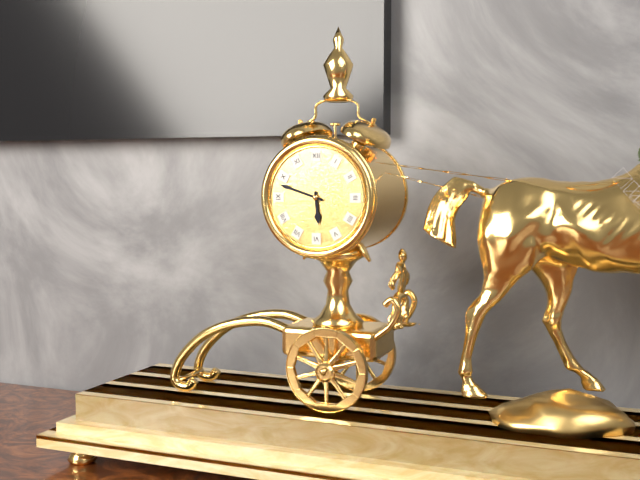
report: 5,48
